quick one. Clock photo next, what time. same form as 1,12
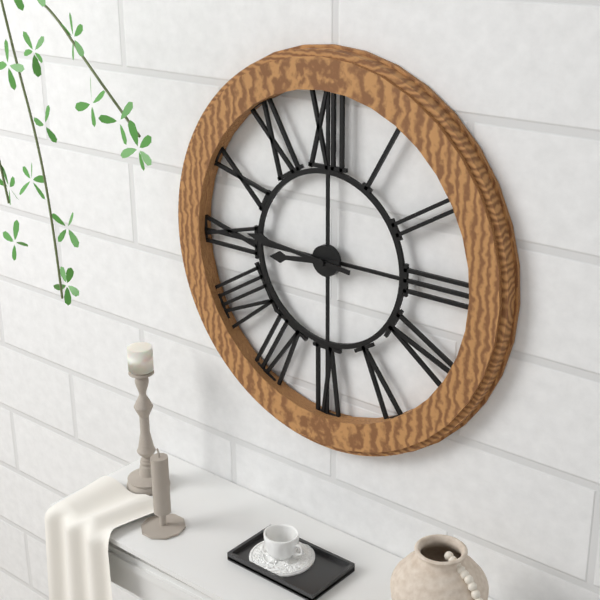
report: 8,46
